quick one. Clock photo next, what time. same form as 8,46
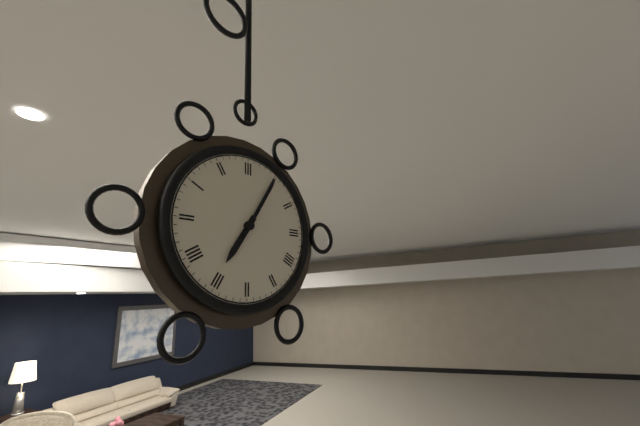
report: 7,05
